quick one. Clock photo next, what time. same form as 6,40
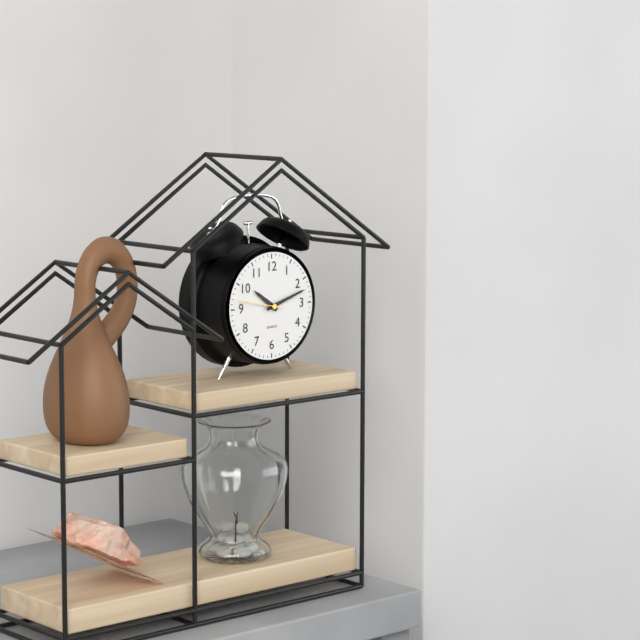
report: 10,12
